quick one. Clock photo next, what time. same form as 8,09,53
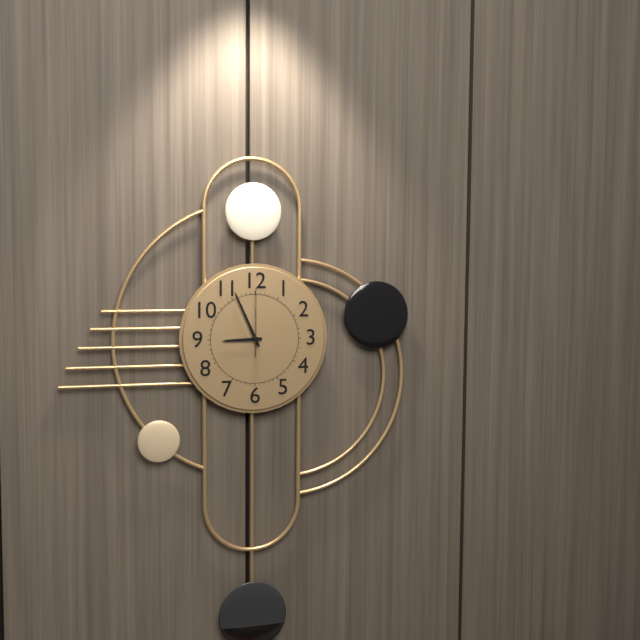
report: 8,56,00
